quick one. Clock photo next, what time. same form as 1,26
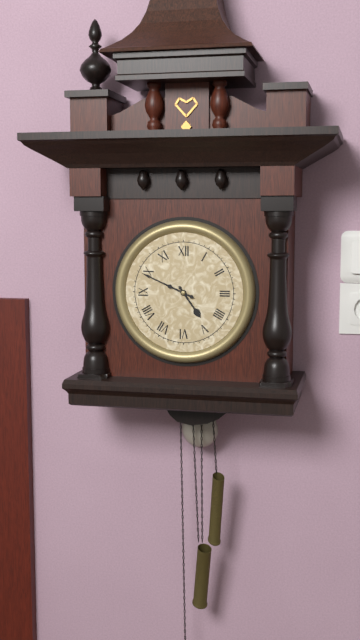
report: 4,49
